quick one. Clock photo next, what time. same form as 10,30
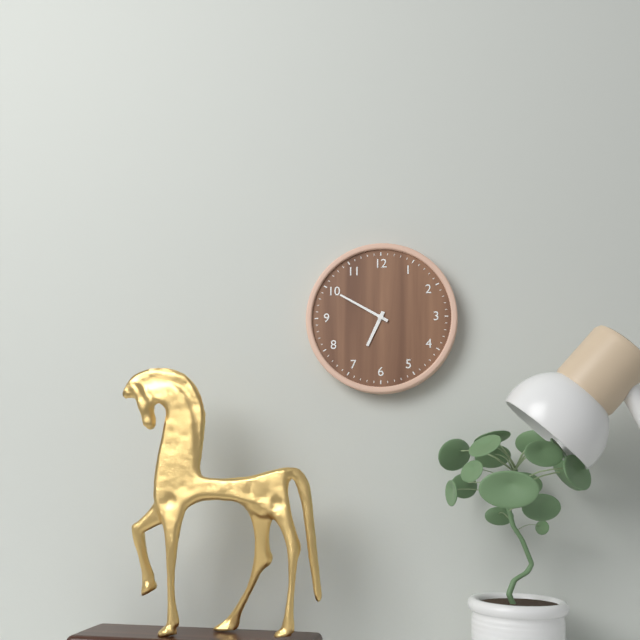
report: 6,50
